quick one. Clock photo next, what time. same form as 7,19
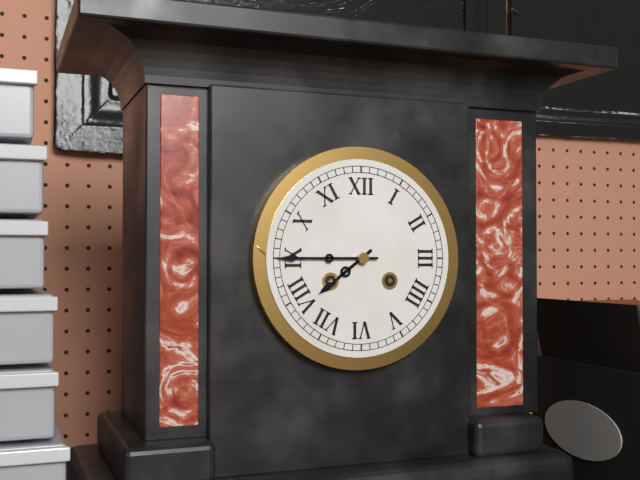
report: 7,45
